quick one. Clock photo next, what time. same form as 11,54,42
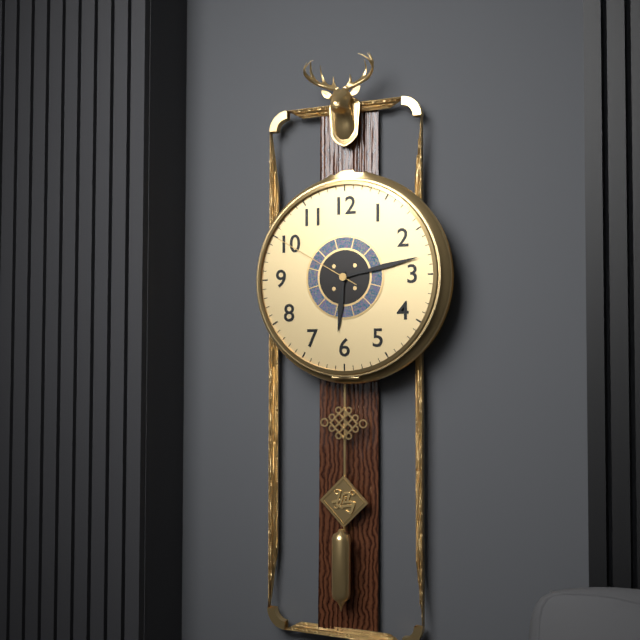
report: 6,13,50
